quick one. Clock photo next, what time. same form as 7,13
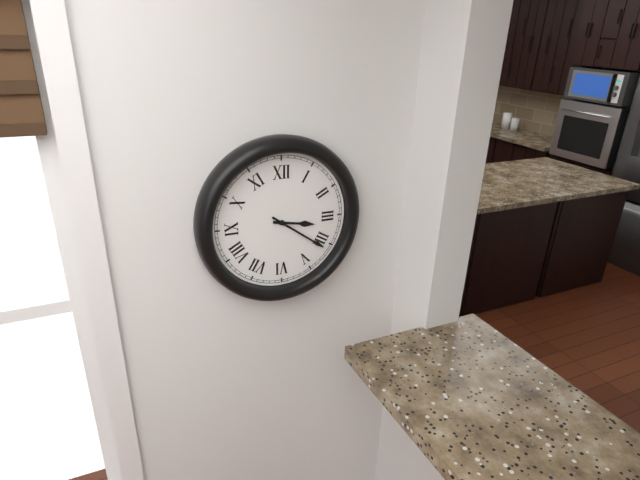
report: 3,21
